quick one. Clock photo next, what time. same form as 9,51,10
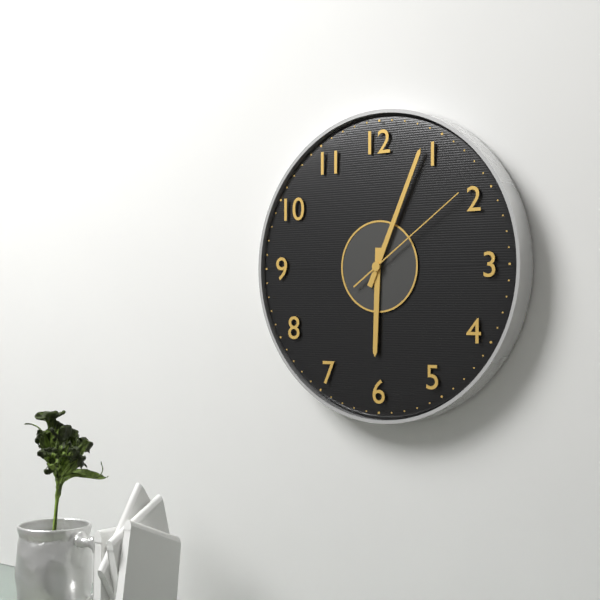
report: 6,04,09
